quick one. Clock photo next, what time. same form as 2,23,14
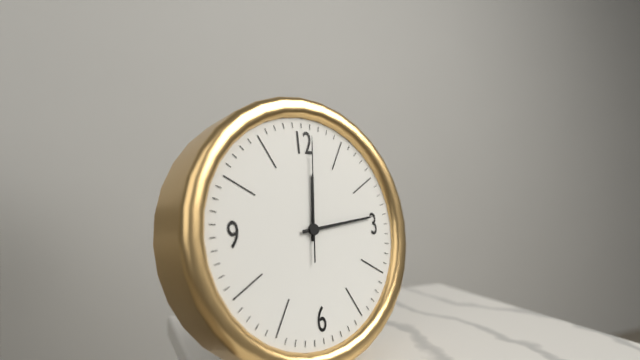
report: 12,14,01
